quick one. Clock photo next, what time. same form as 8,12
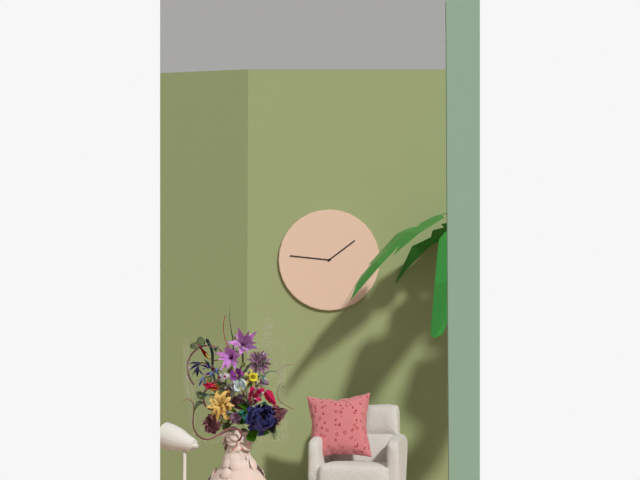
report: 1,46
